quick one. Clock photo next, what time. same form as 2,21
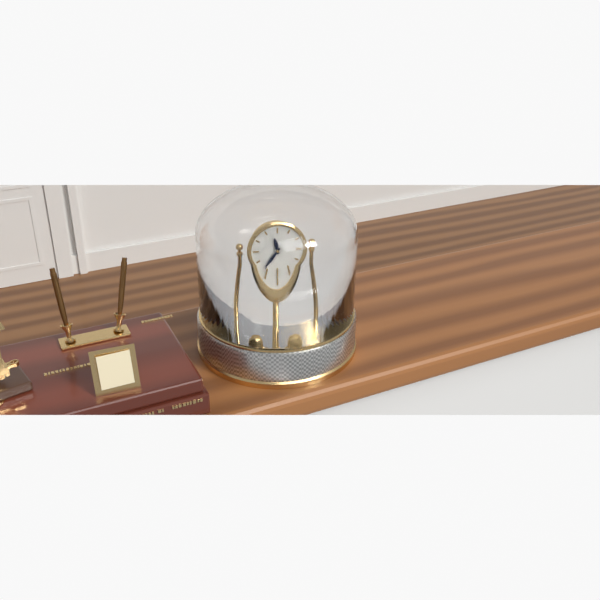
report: 11,36
